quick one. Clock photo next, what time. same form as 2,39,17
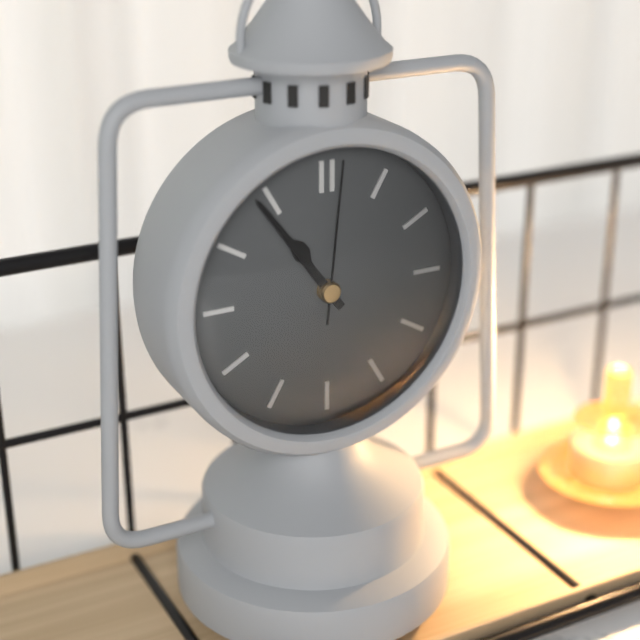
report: 10,54,01
